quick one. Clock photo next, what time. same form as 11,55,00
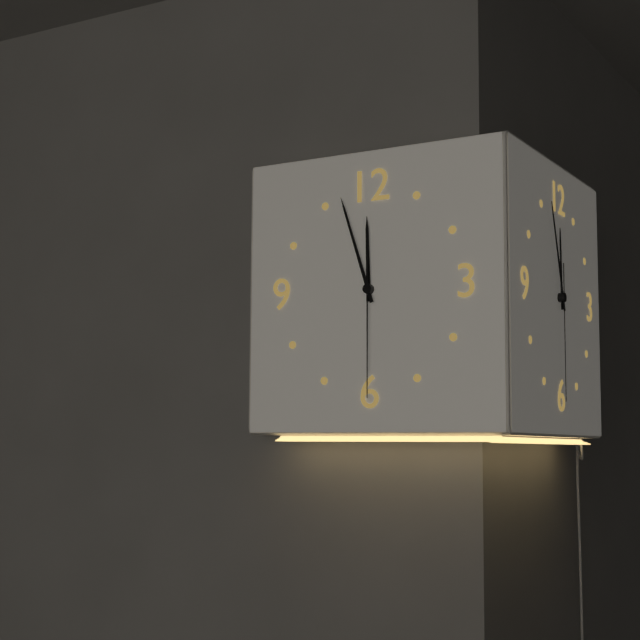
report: 11,57,30
